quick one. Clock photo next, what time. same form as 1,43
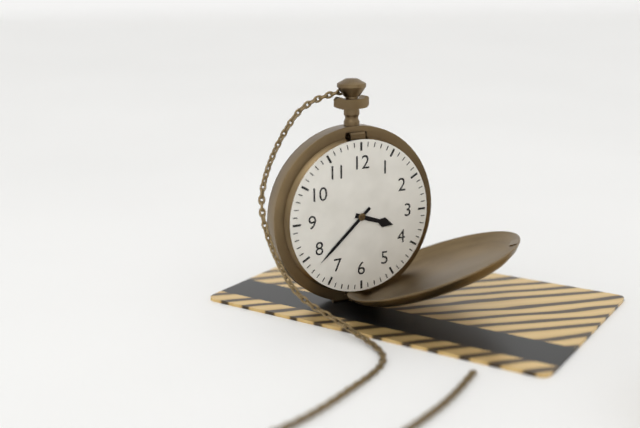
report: 3,38
